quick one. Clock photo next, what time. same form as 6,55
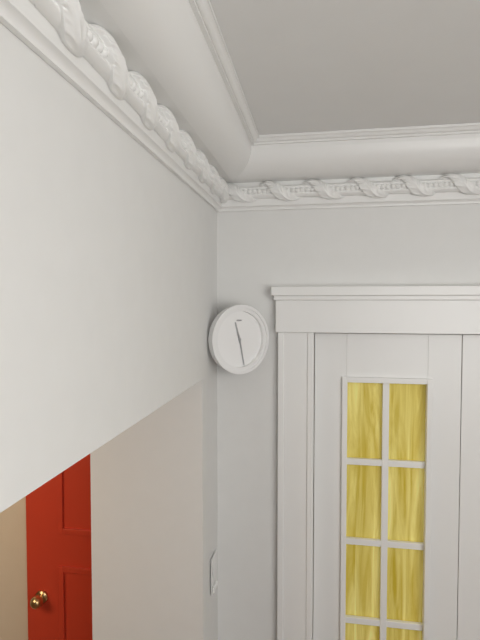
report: 11,28
